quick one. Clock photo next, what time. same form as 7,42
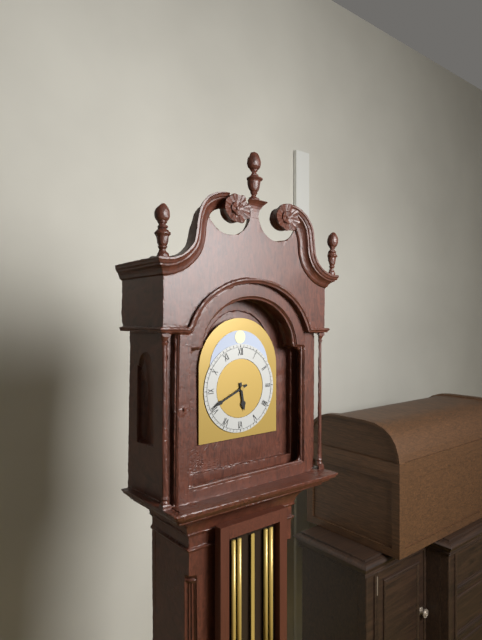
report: 5,41
